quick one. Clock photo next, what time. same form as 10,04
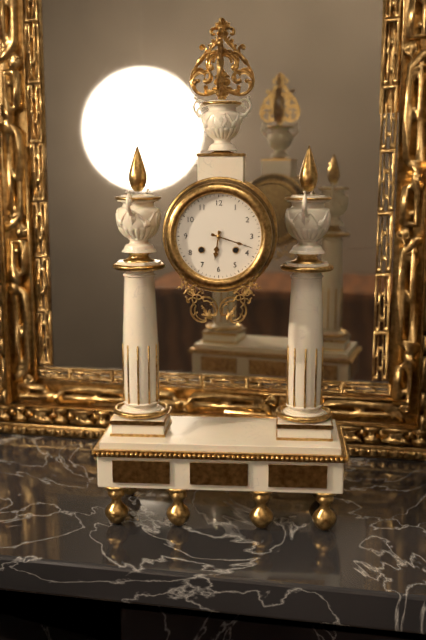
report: 6,18
